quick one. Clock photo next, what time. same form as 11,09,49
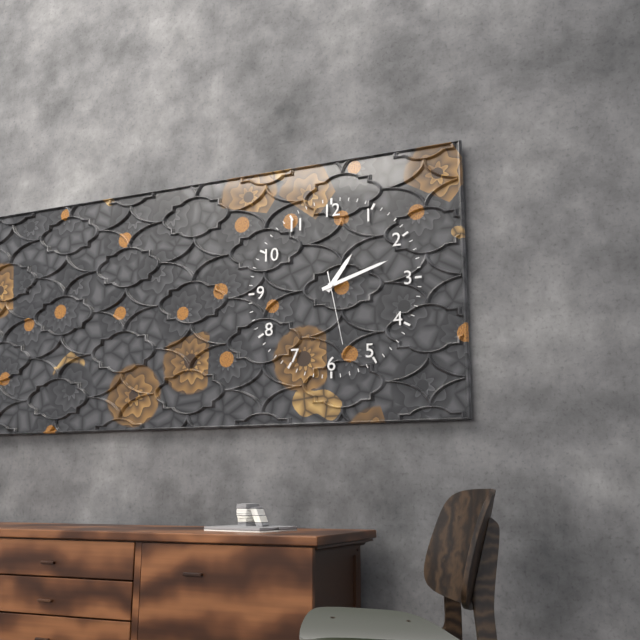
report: 1,12,28
